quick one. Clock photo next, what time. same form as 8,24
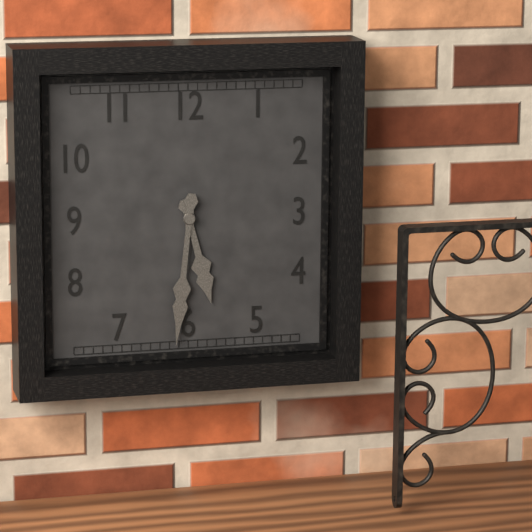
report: 5,31
